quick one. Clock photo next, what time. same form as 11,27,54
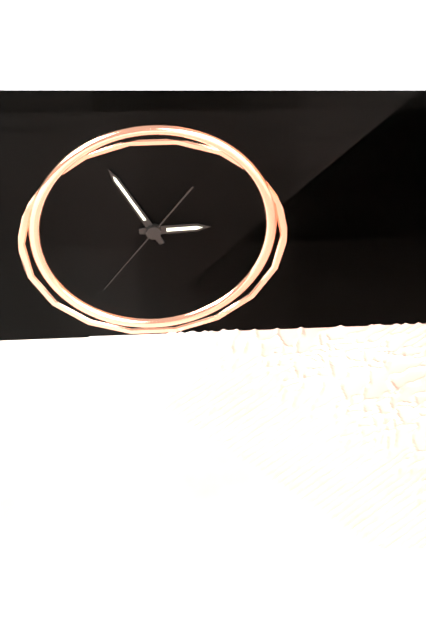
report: 2,55,36
